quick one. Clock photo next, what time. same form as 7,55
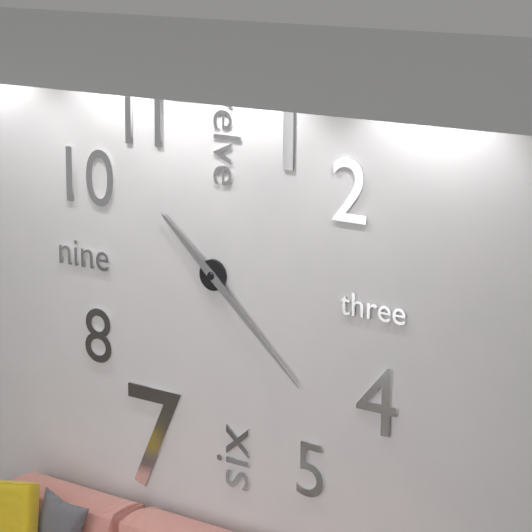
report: 10,22
